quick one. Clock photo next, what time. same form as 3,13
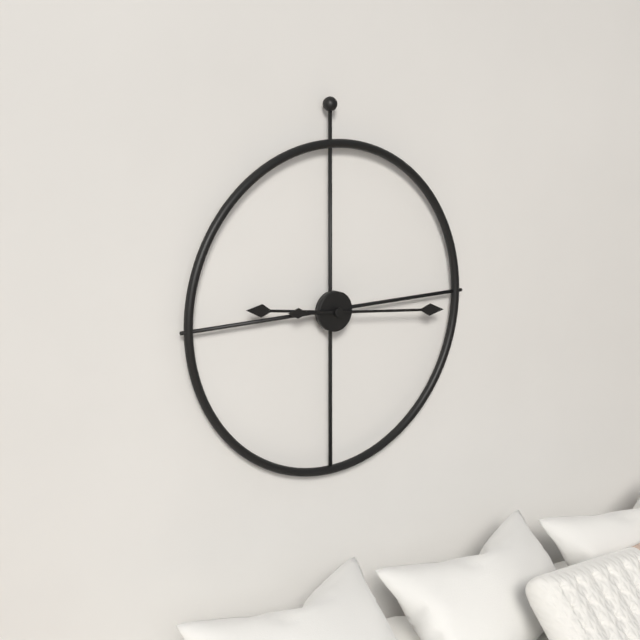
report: 9,16
